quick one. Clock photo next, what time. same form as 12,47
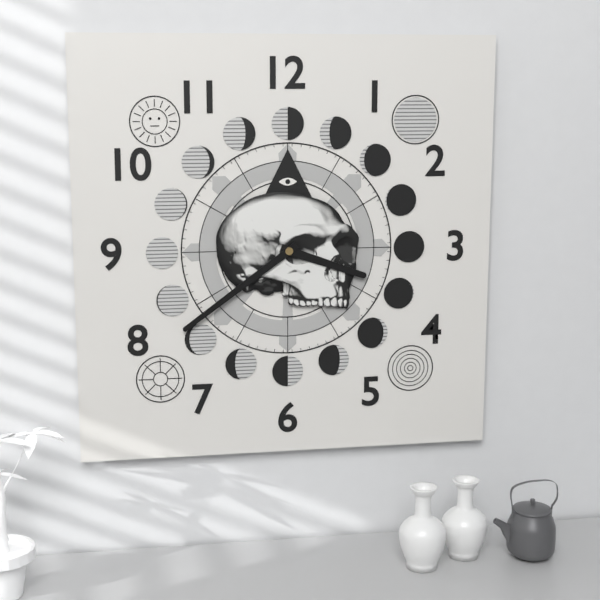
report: 3,39
